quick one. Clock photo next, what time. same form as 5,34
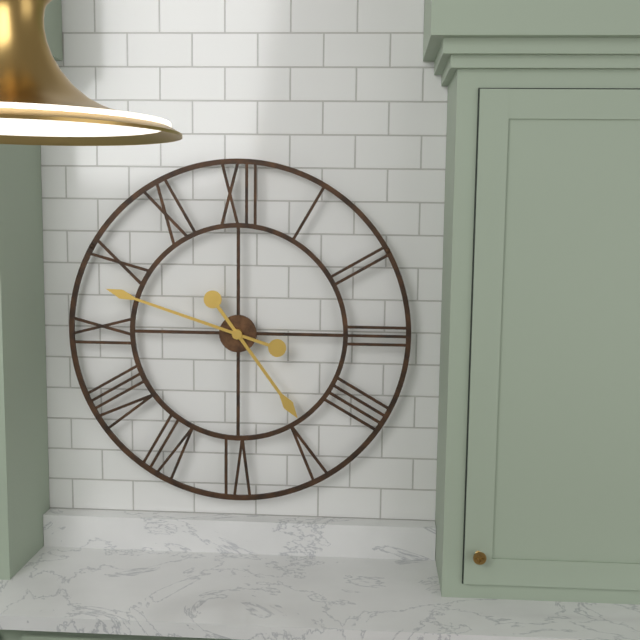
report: 4,48
